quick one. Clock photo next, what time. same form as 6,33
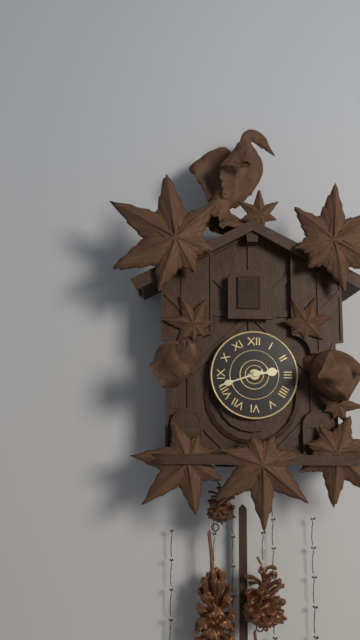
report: 2,42
